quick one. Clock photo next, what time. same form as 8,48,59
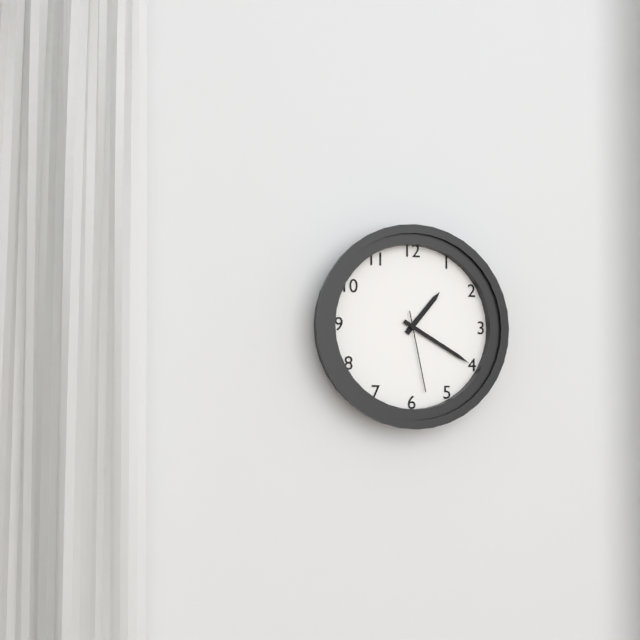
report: 1,20,28
